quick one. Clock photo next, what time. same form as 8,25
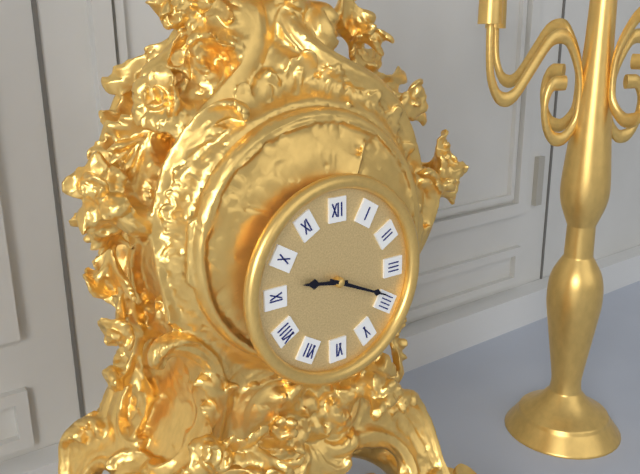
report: 9,19
